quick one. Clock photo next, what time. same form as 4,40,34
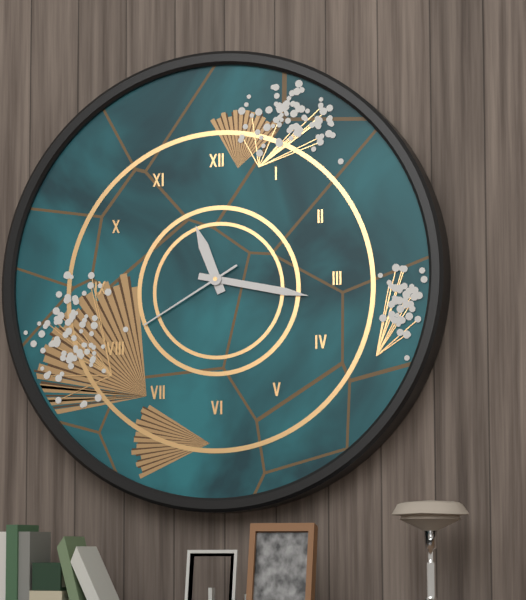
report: 11,17,40
